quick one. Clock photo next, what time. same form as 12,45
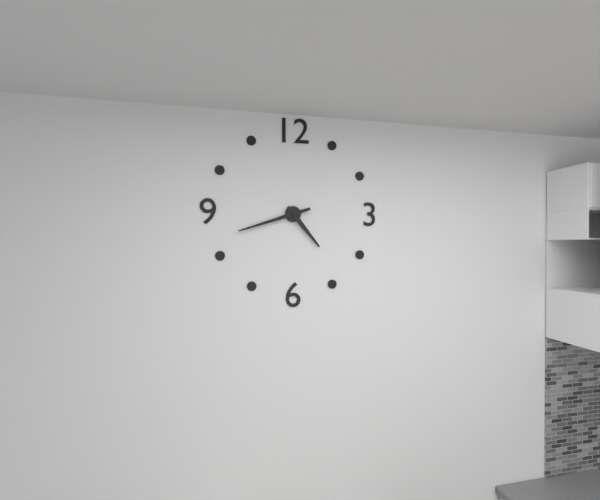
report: 4,42
